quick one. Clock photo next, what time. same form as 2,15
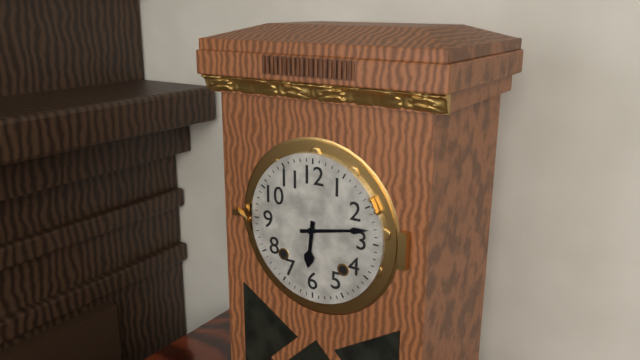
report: 6,13
